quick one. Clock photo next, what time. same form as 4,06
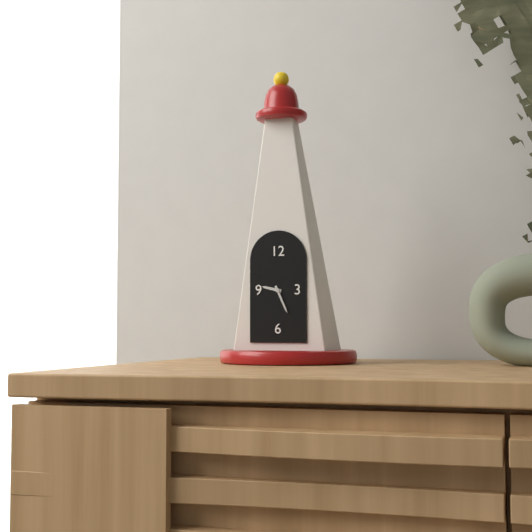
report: 9,26
